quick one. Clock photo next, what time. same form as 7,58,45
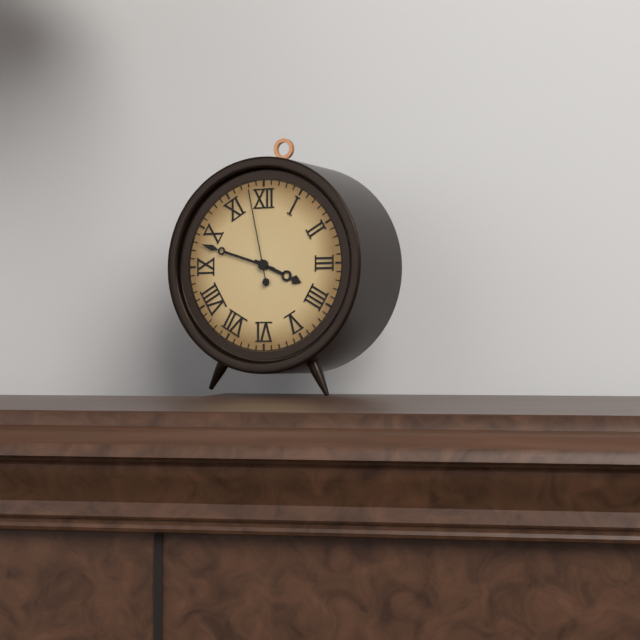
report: 3,48,58
